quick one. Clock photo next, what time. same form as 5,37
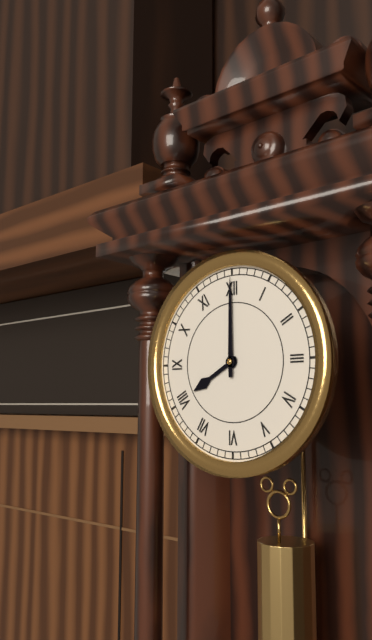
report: 8,00
